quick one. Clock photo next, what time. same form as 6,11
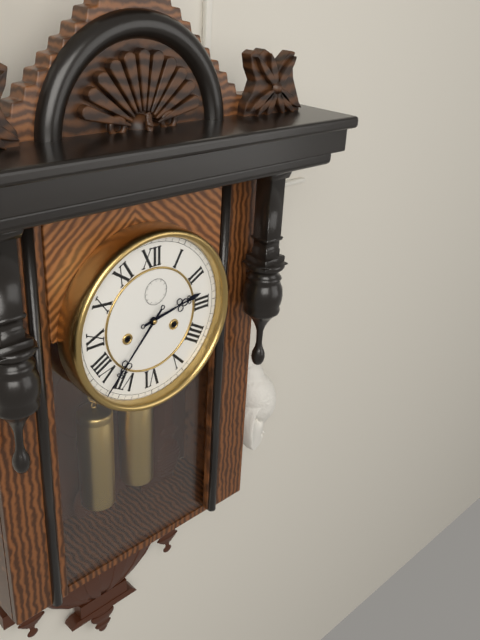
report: 2,37
